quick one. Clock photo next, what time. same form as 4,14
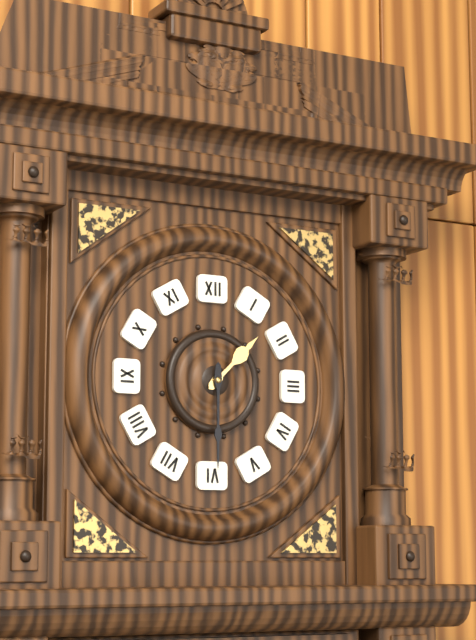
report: 1,30
